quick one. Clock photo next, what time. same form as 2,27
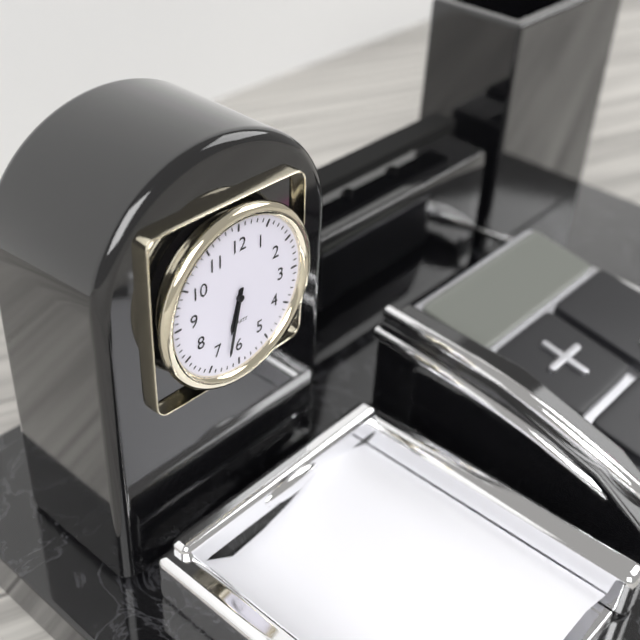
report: 6,32
